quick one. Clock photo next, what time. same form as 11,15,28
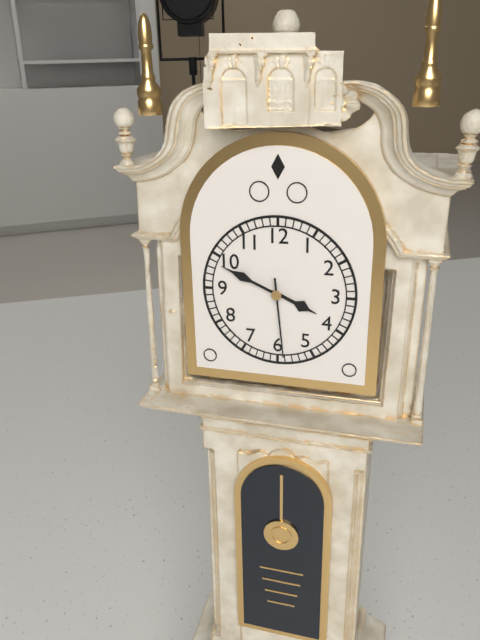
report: 3,49,29
